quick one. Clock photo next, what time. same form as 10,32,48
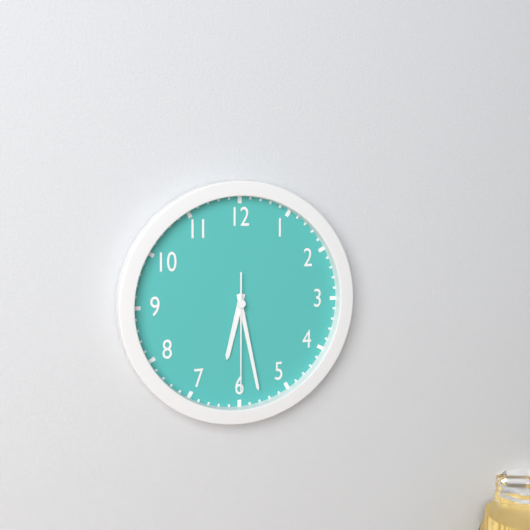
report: 6,28,30
